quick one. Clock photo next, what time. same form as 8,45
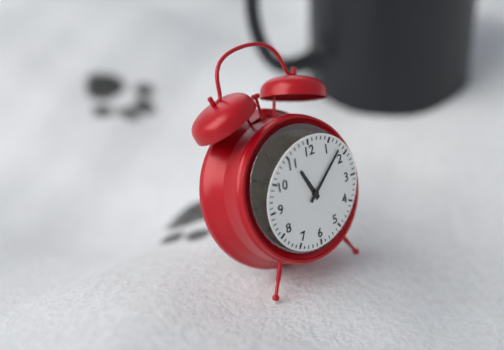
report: 11,08
